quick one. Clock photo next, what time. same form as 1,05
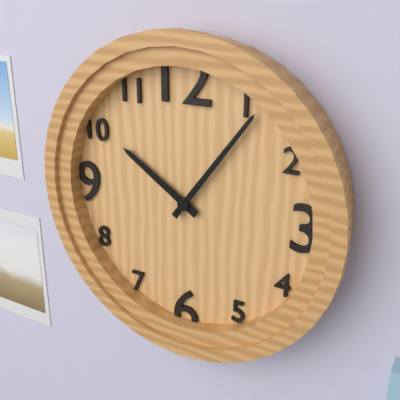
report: 10,06
